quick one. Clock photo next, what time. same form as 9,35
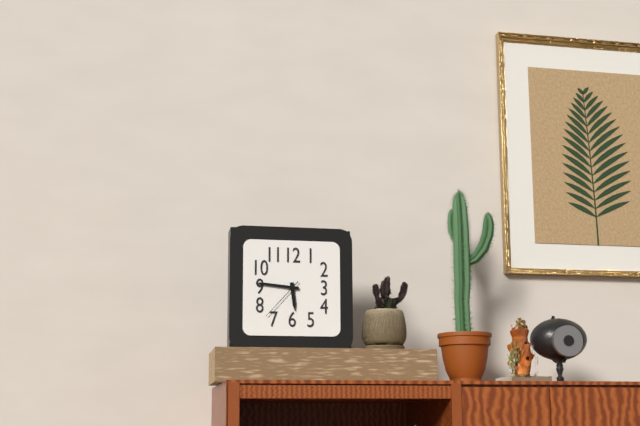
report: 5,46
